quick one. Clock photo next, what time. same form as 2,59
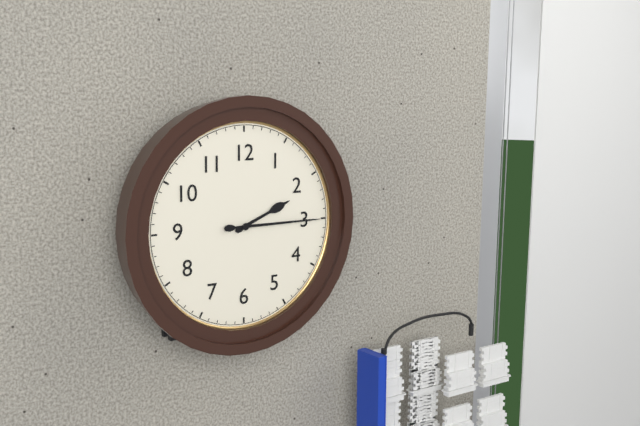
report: 2,15
